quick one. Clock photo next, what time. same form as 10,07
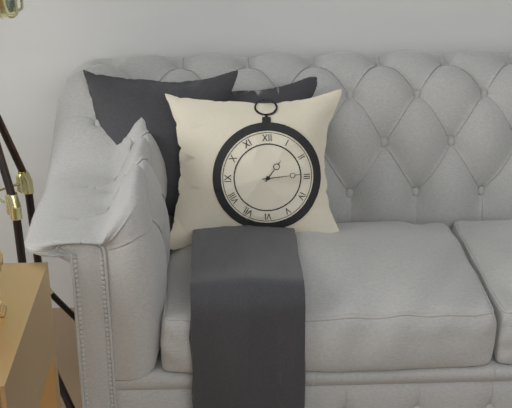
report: 1,14
